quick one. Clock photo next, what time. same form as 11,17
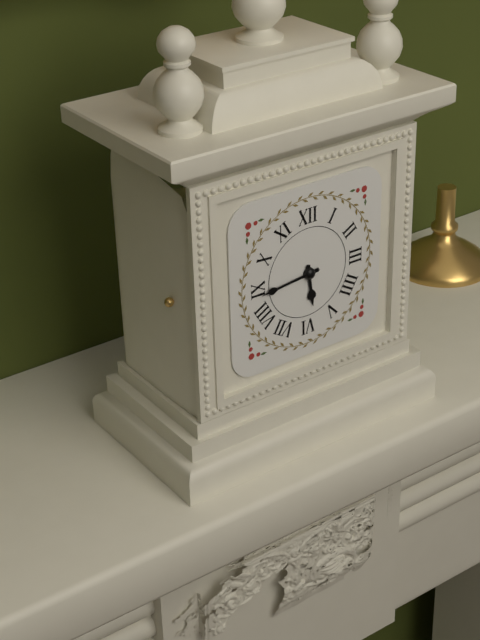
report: 5,44
